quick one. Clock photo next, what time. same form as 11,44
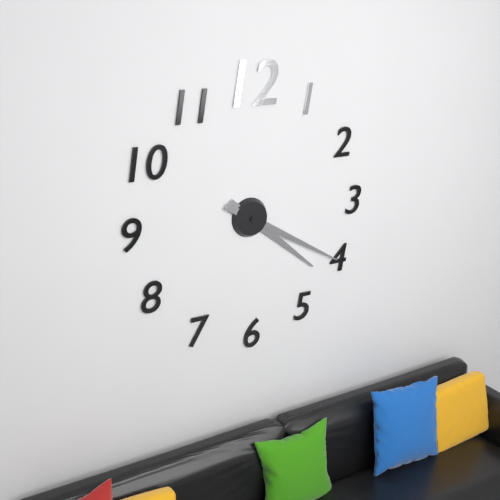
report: 4,20
